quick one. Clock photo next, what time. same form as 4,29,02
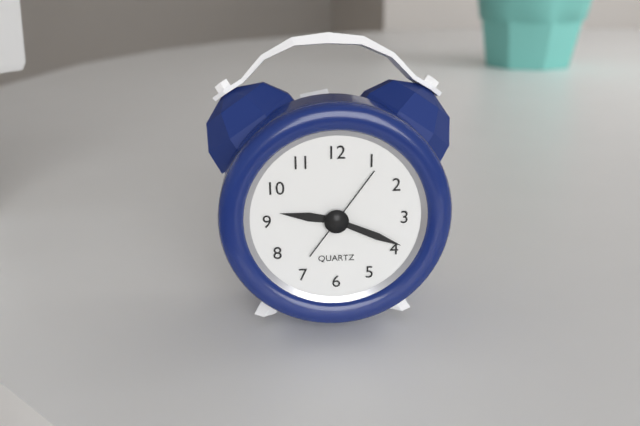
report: 9,19,06
